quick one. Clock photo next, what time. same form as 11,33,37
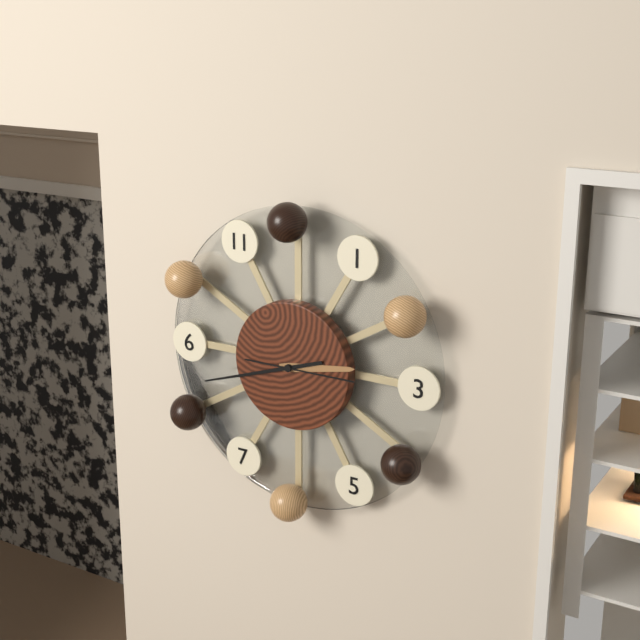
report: 2,42,15
